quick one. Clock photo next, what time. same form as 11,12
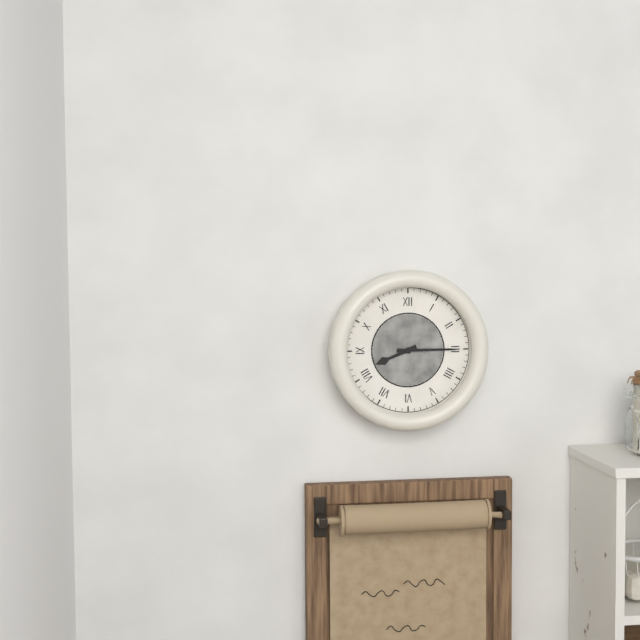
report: 8,15
